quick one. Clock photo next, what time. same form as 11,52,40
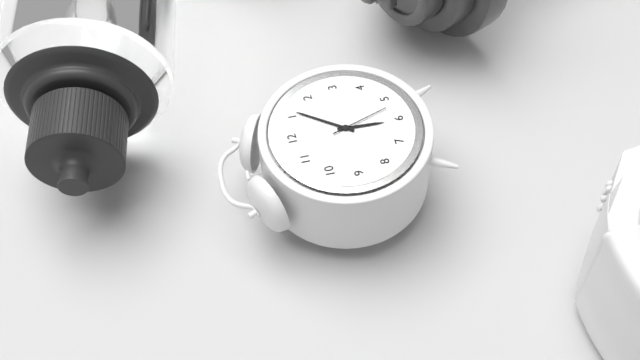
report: 6,06,27
